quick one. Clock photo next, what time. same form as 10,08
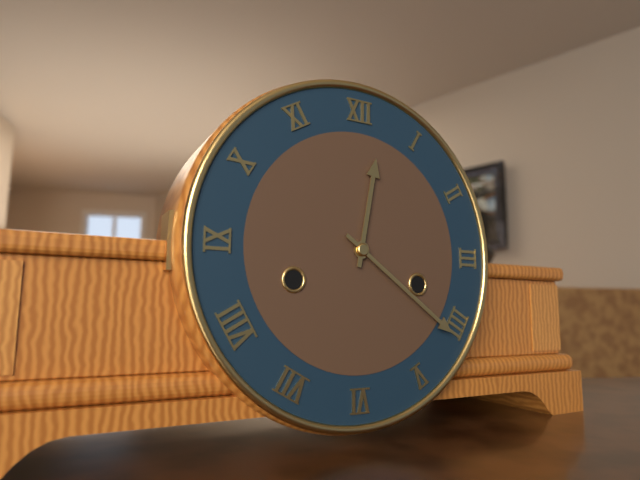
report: 12,21
